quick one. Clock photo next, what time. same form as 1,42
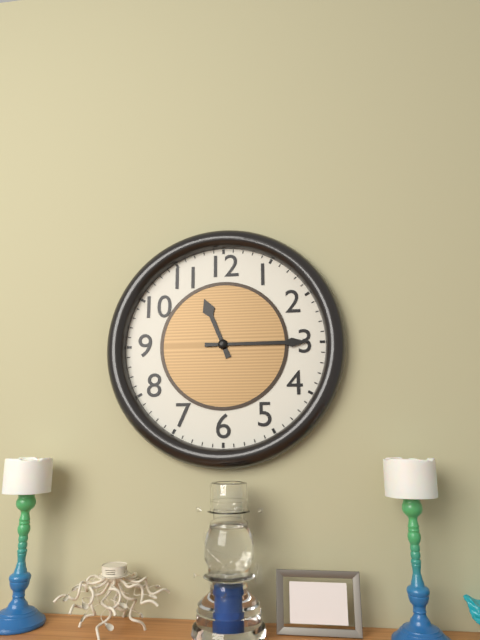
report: 11,15
